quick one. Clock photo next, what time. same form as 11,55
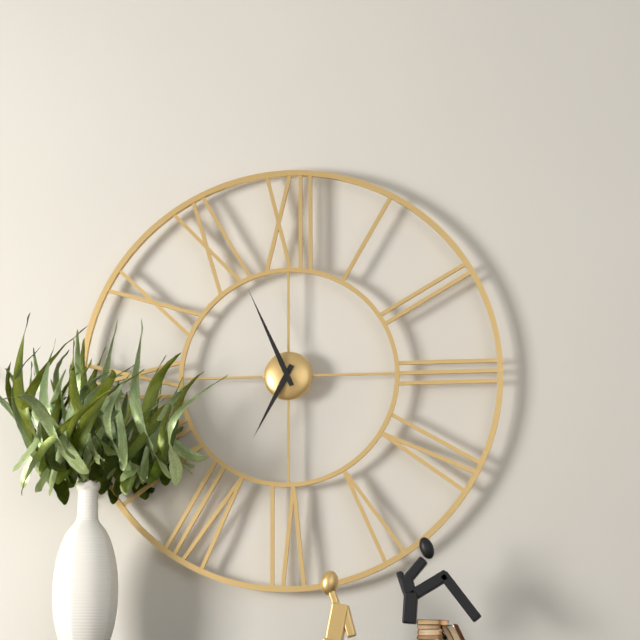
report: 6,56
